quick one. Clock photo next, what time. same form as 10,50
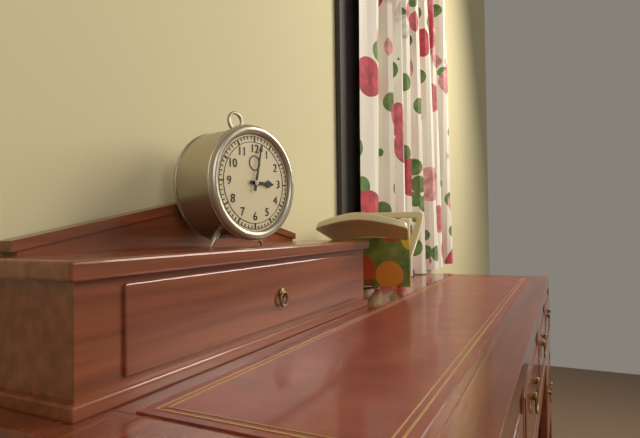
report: 3,02
